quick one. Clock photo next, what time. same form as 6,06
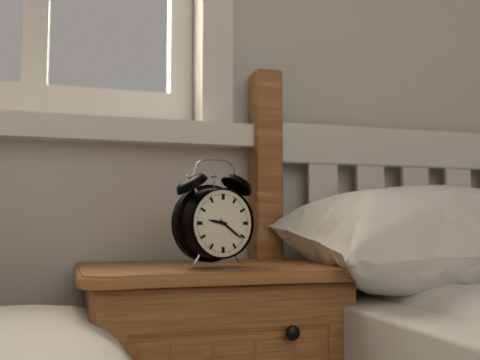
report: 9,21
